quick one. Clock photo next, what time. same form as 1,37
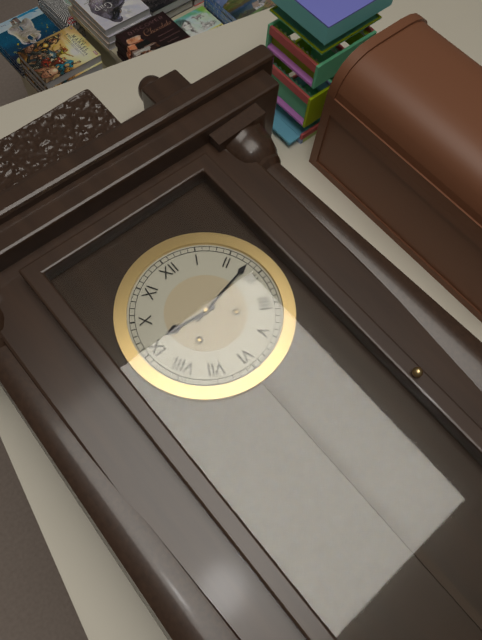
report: 9,13
